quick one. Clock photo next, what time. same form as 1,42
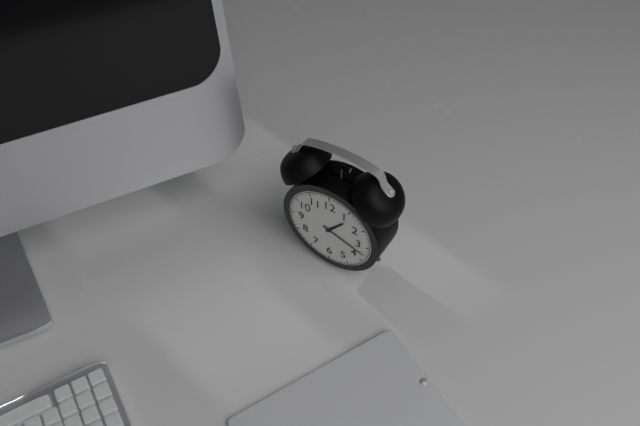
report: 1,18
